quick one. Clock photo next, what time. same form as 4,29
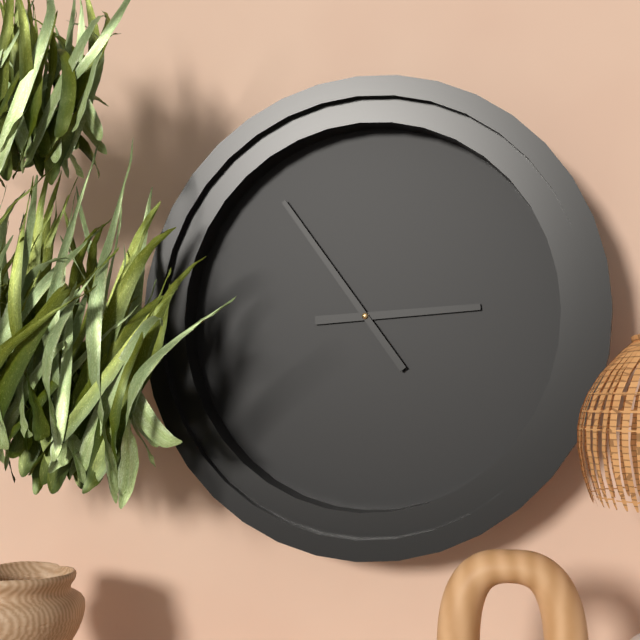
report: 2,54
